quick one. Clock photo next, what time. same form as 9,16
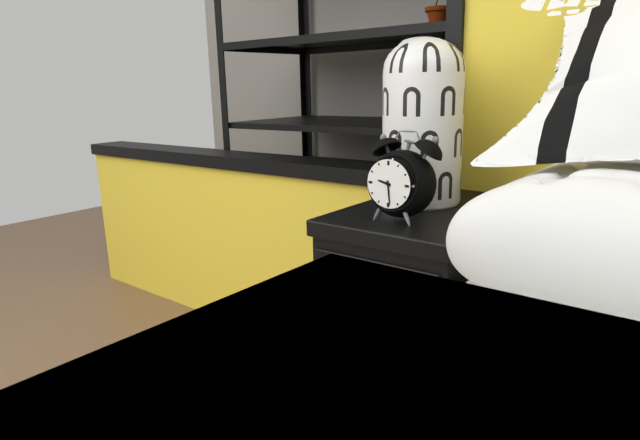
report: 9,29
